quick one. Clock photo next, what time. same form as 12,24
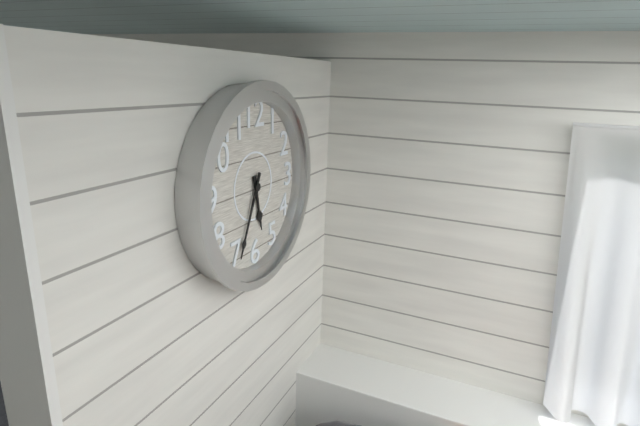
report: 5,34
